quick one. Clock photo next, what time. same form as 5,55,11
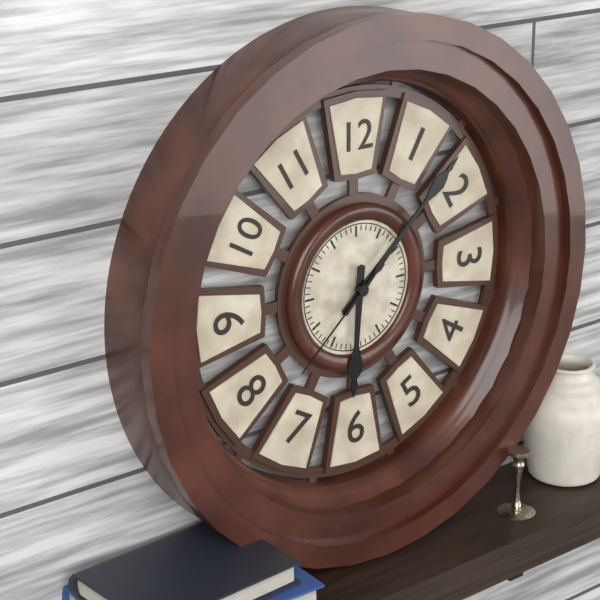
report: 6,08,38
